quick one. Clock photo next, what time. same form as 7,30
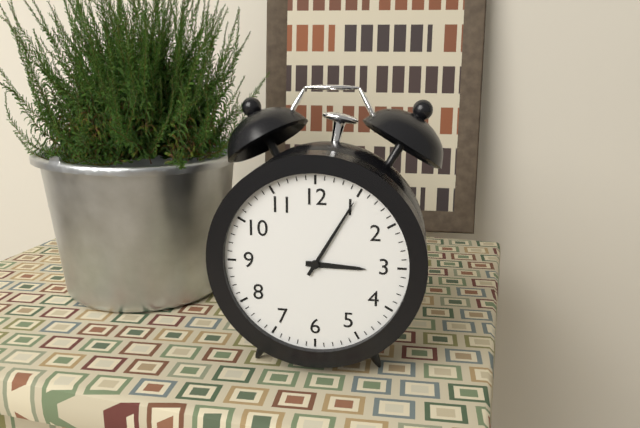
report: 3,05
